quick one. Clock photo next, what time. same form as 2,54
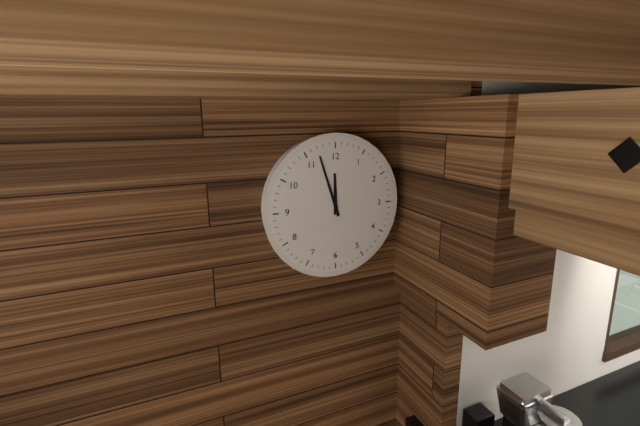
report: 11,57
